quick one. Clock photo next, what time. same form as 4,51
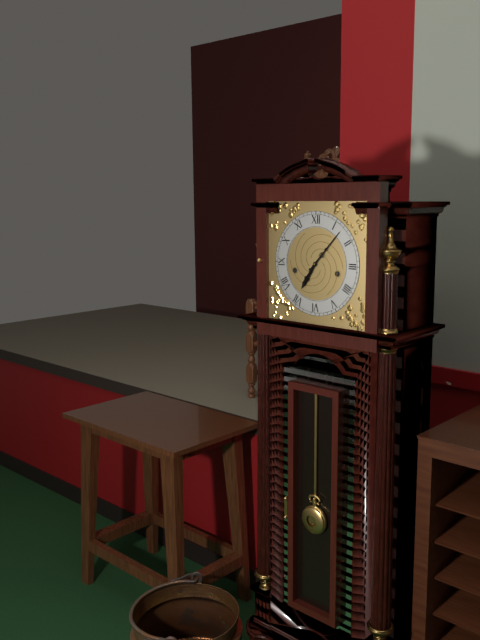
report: 7,07
